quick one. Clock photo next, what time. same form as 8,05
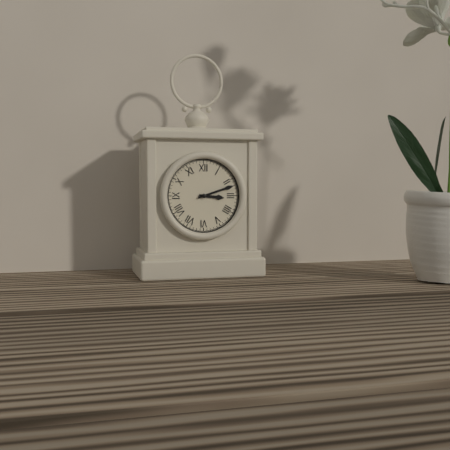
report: 3,12
